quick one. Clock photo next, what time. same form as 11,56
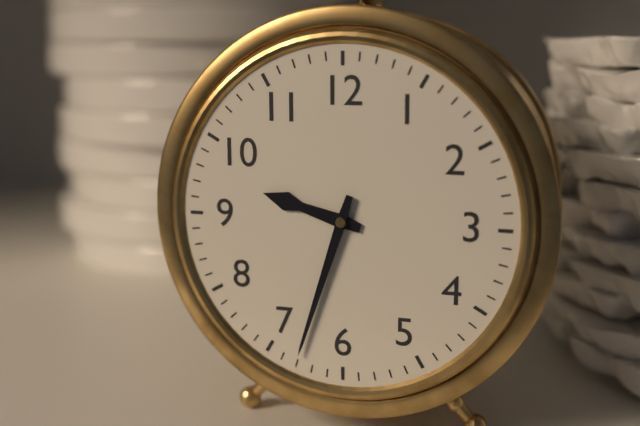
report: 9,33
